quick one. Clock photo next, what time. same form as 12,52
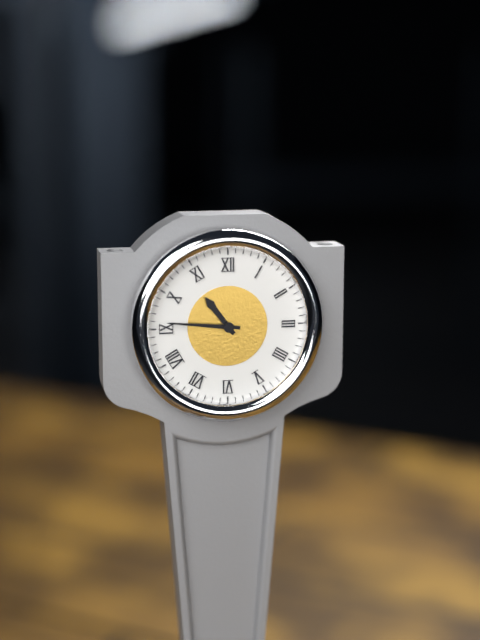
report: 10,46
